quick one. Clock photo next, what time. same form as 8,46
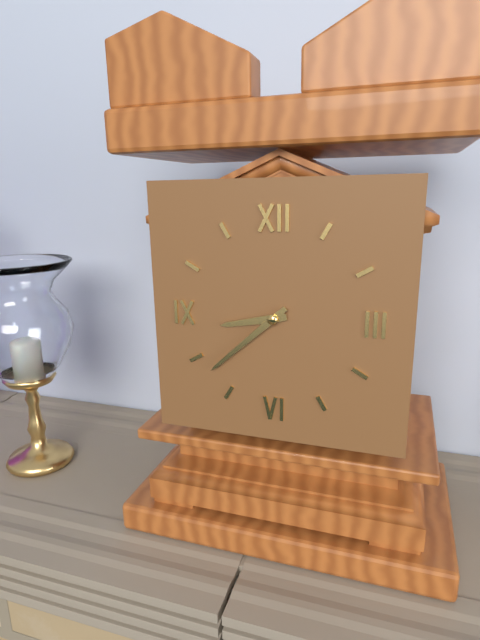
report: 8,38
